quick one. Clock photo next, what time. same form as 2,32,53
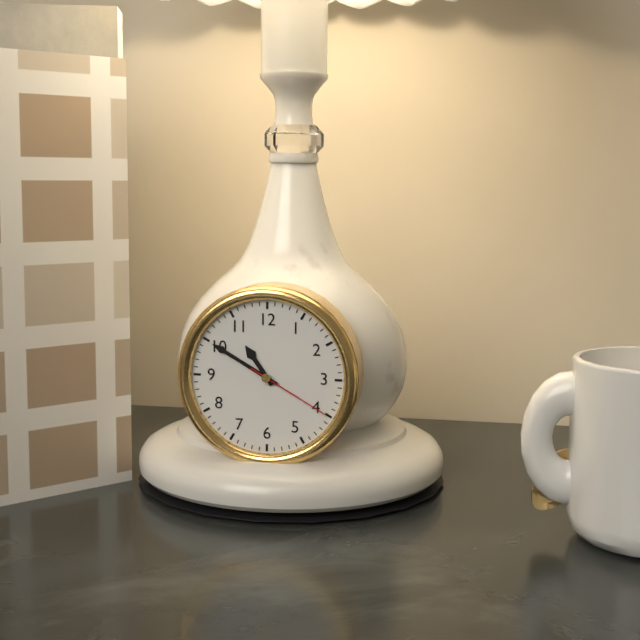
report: 10,50,20
